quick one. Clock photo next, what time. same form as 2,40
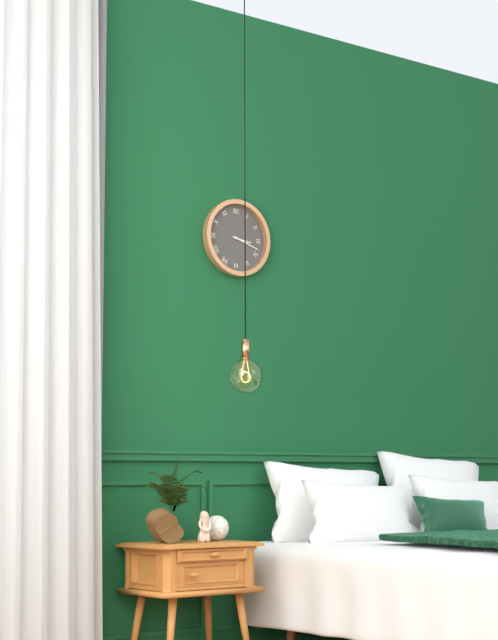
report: 3,18
